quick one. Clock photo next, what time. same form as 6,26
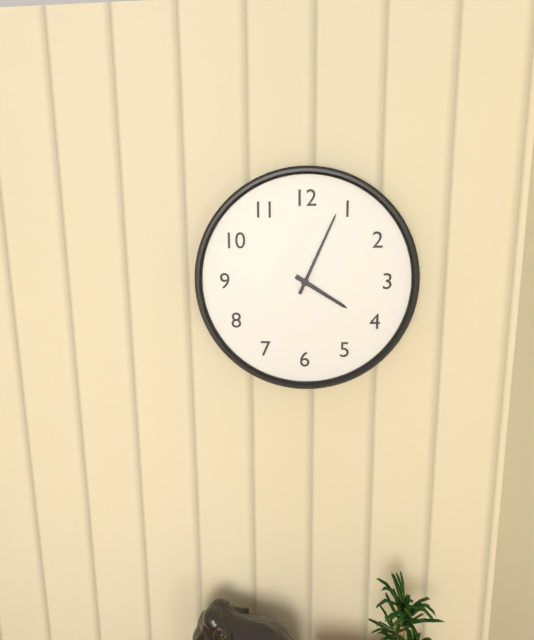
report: 4,04
